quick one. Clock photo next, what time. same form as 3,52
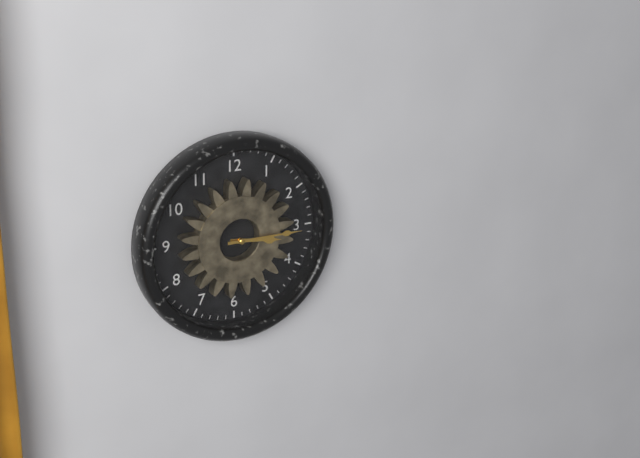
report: 3,15
